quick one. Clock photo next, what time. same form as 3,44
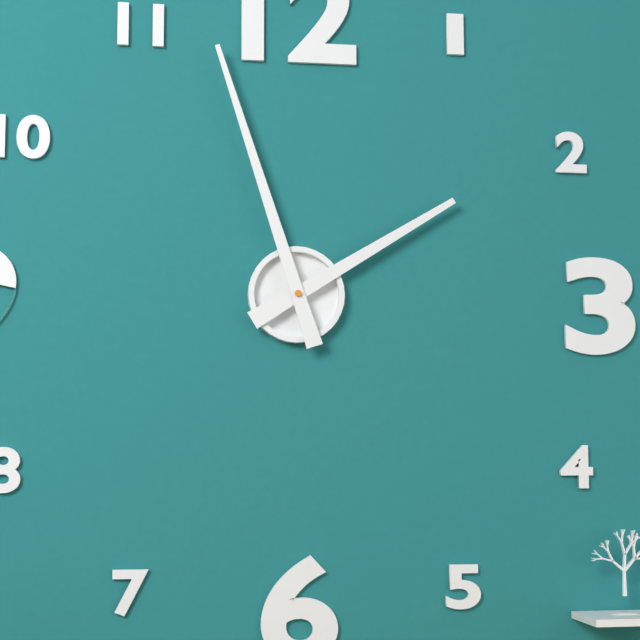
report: 1,57
